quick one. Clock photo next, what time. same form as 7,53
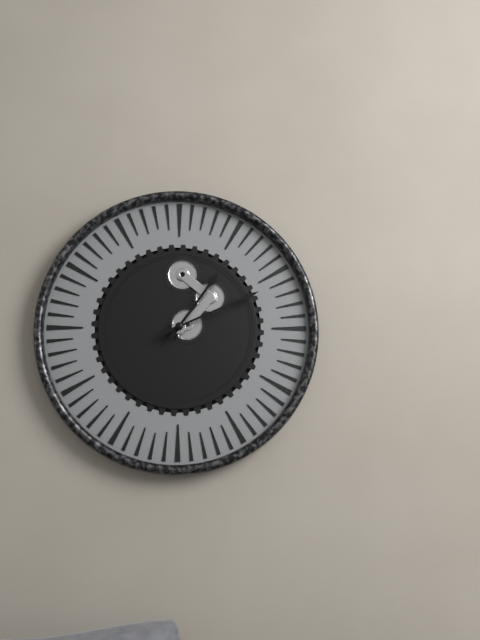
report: 1,11
